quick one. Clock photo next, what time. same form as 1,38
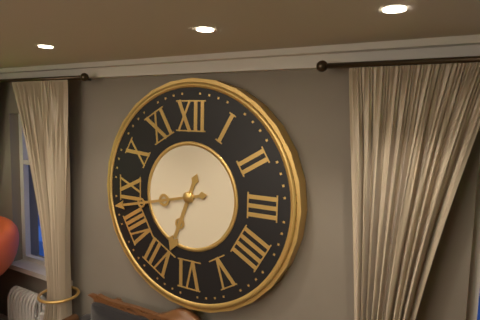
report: 6,43
